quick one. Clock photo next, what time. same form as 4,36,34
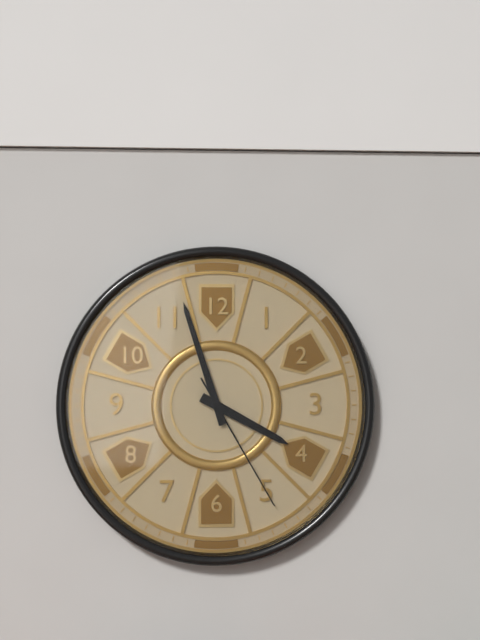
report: 3,57,25
